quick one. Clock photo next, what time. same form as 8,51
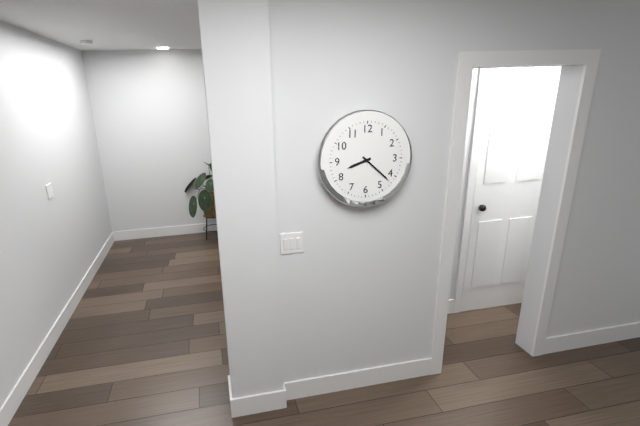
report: 8,22
